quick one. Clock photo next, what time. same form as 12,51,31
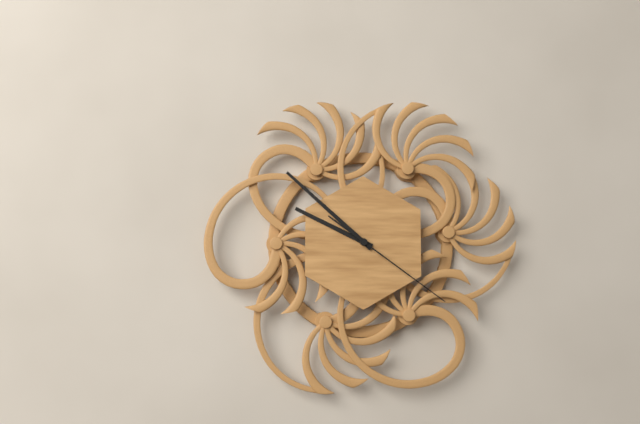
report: 9,52,21
